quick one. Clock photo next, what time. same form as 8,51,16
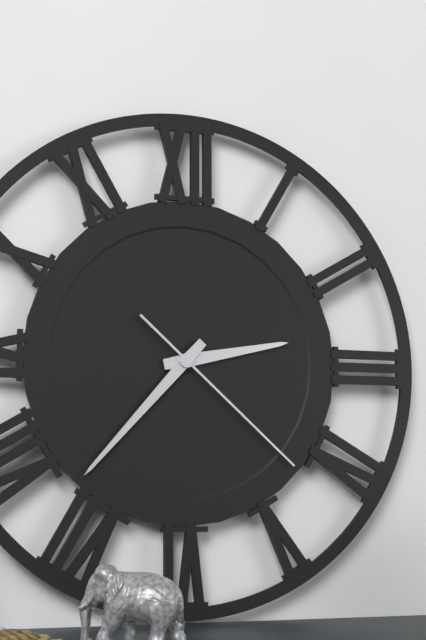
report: 2,37,22
